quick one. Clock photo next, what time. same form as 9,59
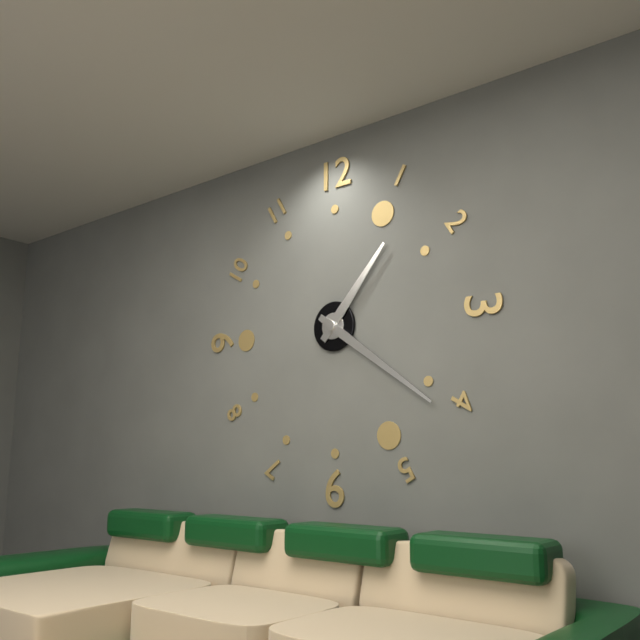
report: 1,21
